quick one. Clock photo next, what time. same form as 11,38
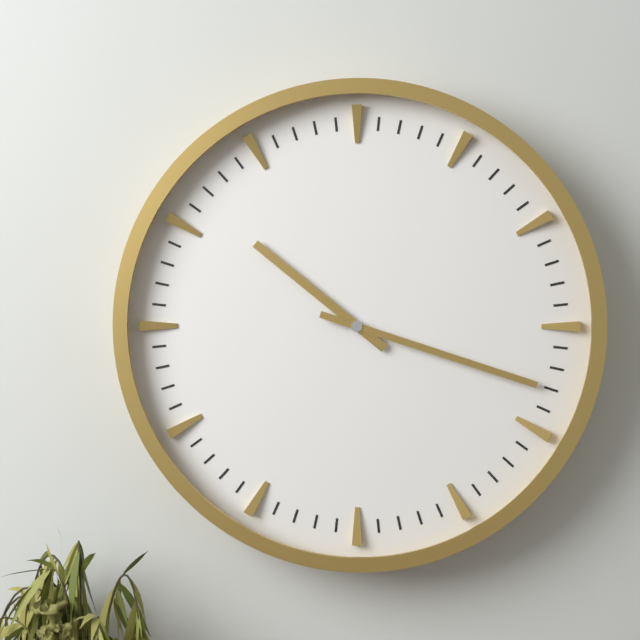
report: 10,18
